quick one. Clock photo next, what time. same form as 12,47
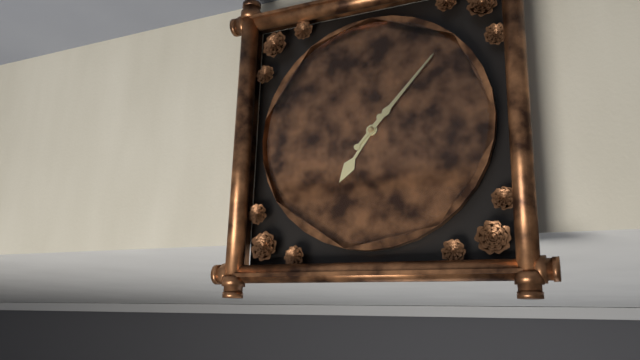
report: 7,07
